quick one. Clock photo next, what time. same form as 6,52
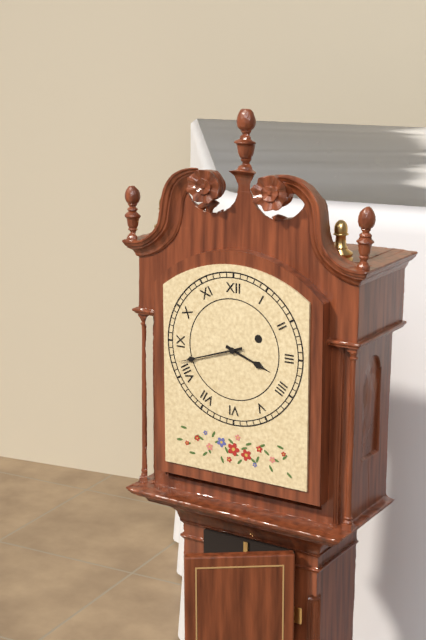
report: 3,42
